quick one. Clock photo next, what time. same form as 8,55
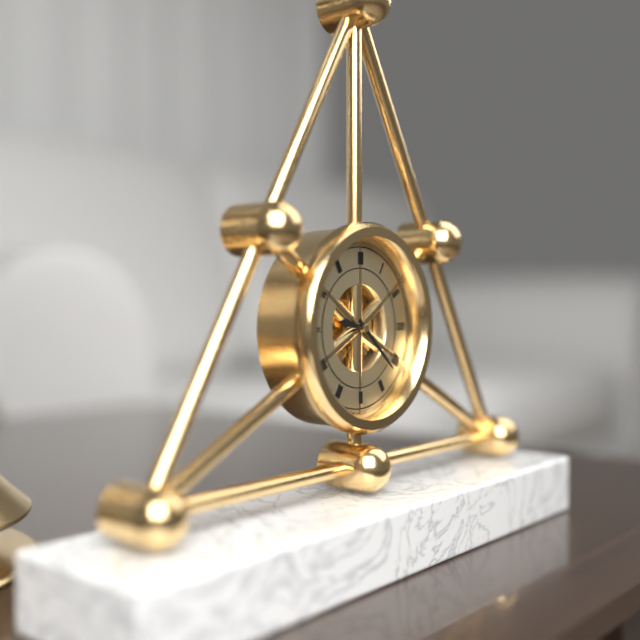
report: 9,22
